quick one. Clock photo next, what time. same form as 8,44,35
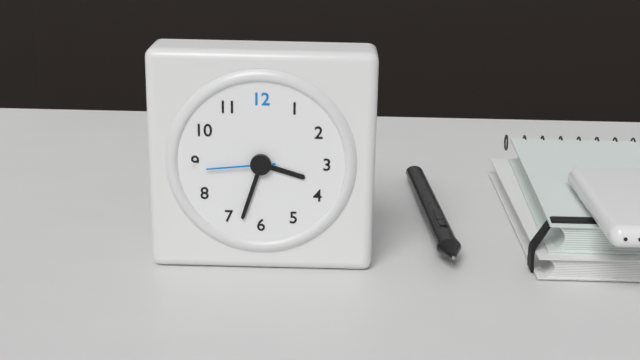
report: 3,33,44
